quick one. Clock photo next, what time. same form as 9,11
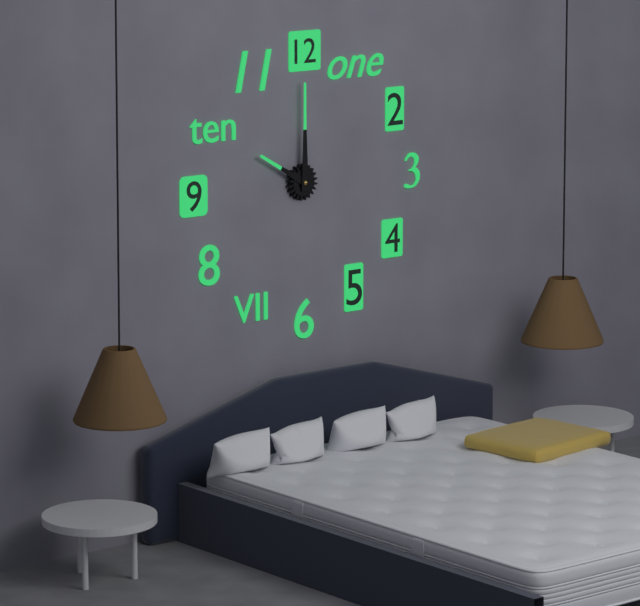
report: 10,00
